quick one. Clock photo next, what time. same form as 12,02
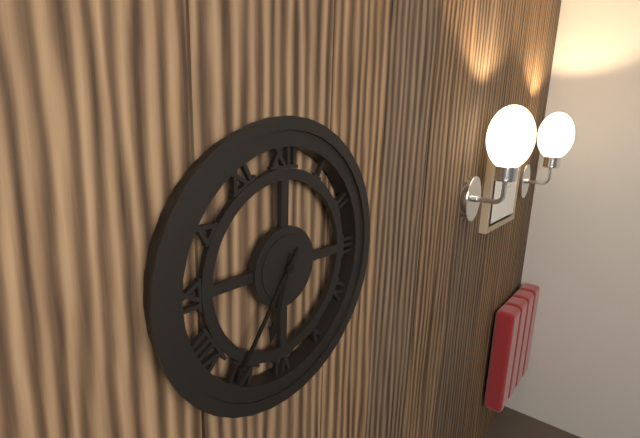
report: 6,36
